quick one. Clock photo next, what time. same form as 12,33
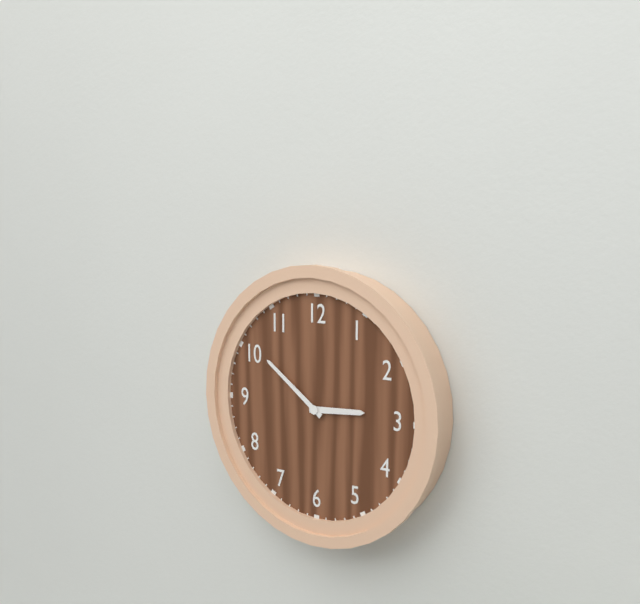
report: 2,51
